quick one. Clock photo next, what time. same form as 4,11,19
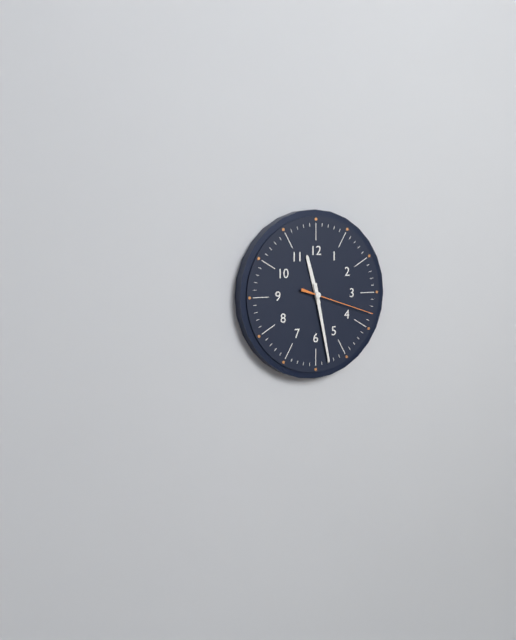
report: 11,28,18
